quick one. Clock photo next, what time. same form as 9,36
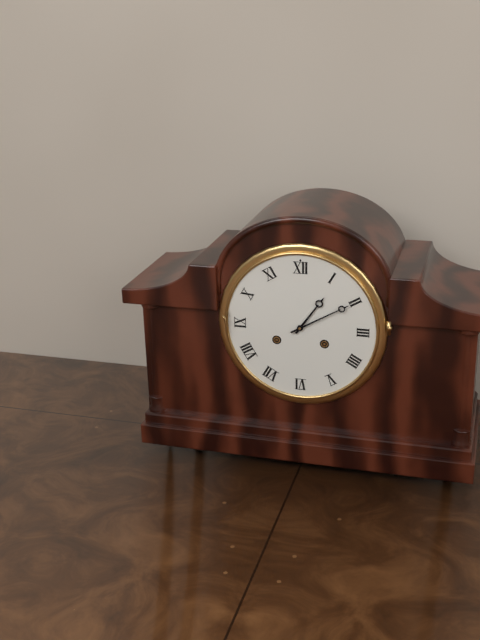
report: 1,10
